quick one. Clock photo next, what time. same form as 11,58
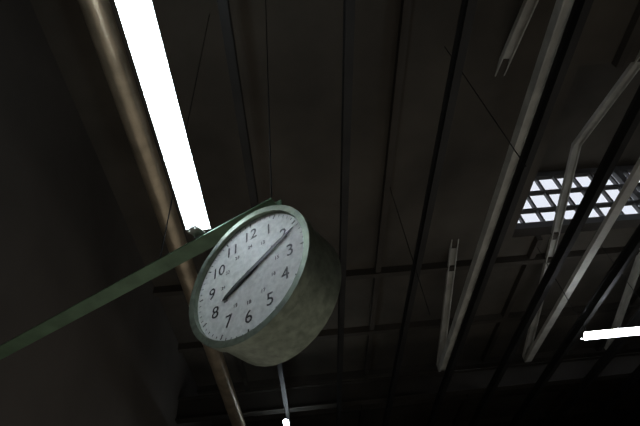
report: 8,11
